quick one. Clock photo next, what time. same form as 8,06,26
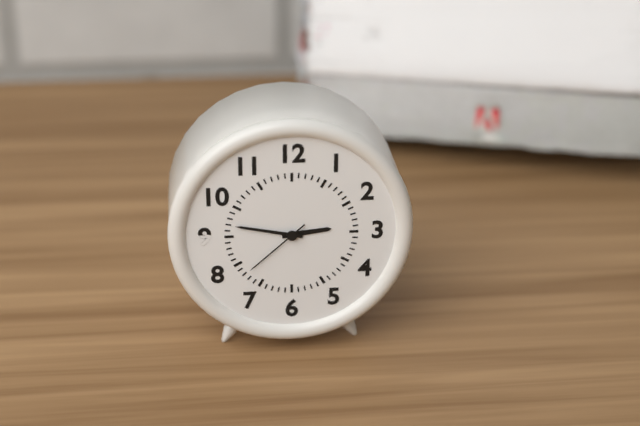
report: 2,47,38
